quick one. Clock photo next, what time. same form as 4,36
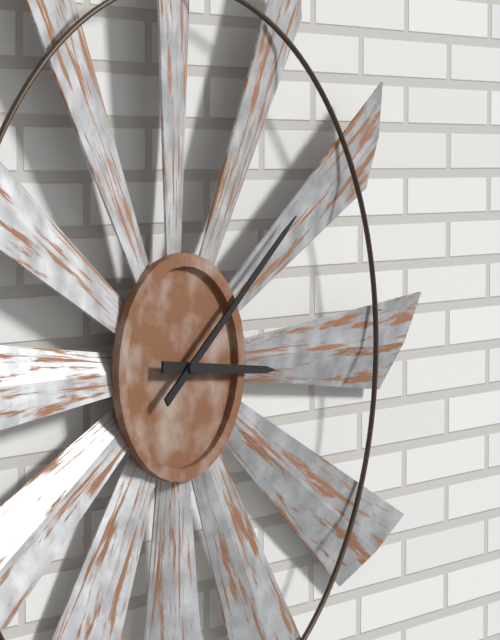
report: 3,09
